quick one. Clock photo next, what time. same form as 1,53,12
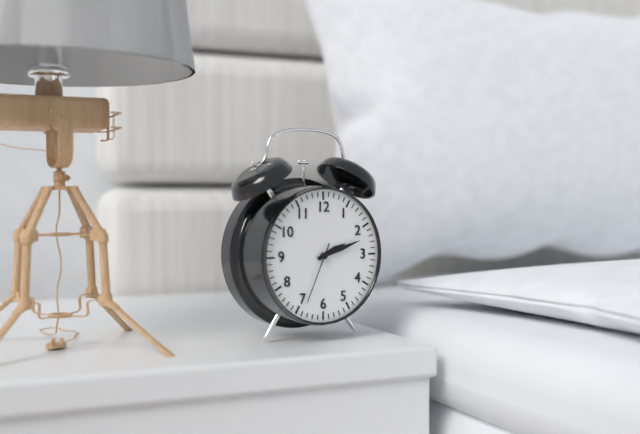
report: 2,12,34
